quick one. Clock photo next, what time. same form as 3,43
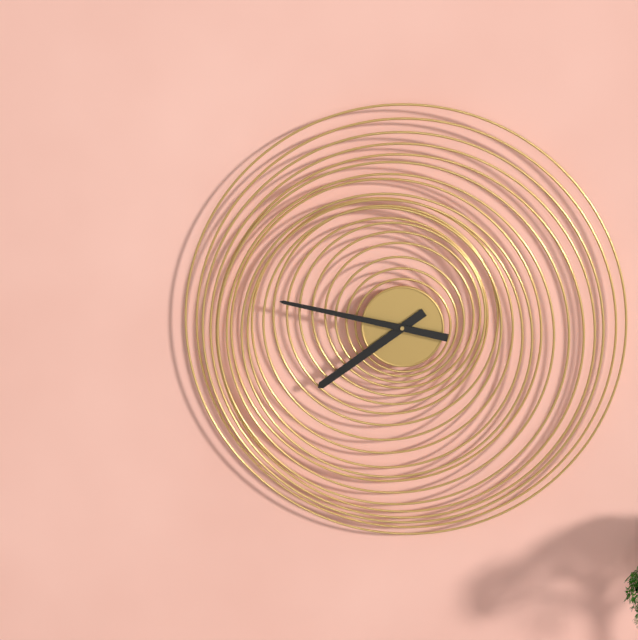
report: 7,47
